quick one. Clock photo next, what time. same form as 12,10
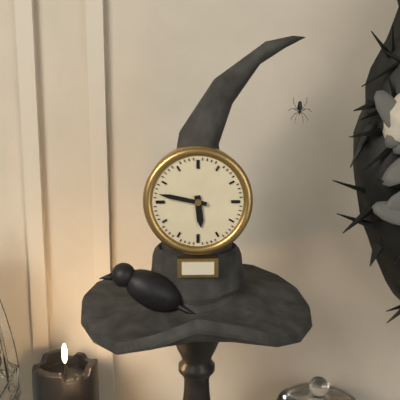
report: 5,47
